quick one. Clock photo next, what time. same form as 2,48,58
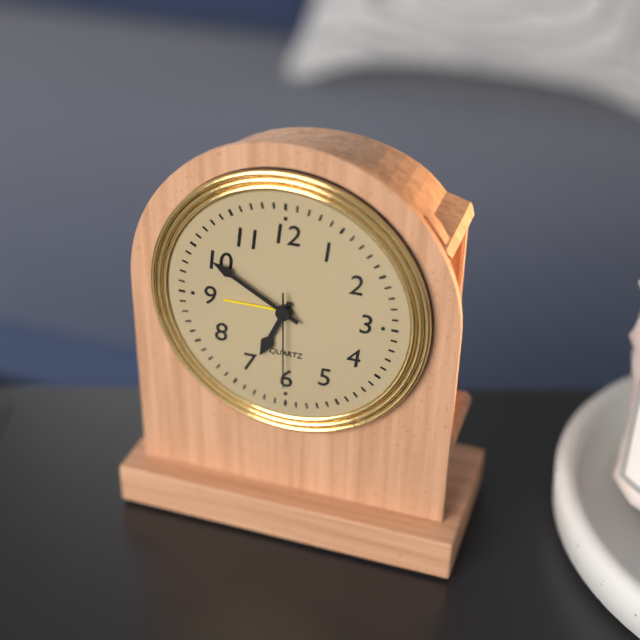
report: 6,50,30
